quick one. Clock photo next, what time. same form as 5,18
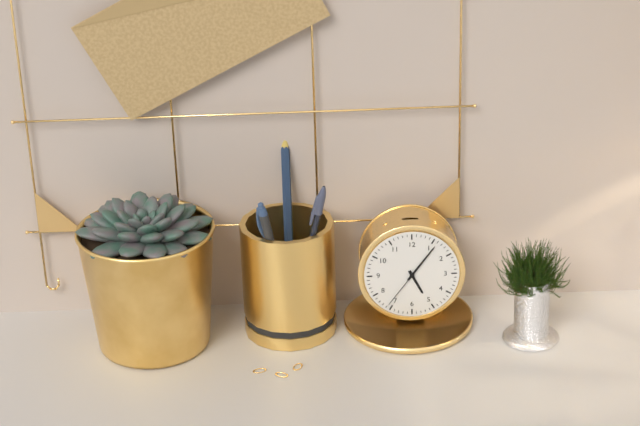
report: 5,06
